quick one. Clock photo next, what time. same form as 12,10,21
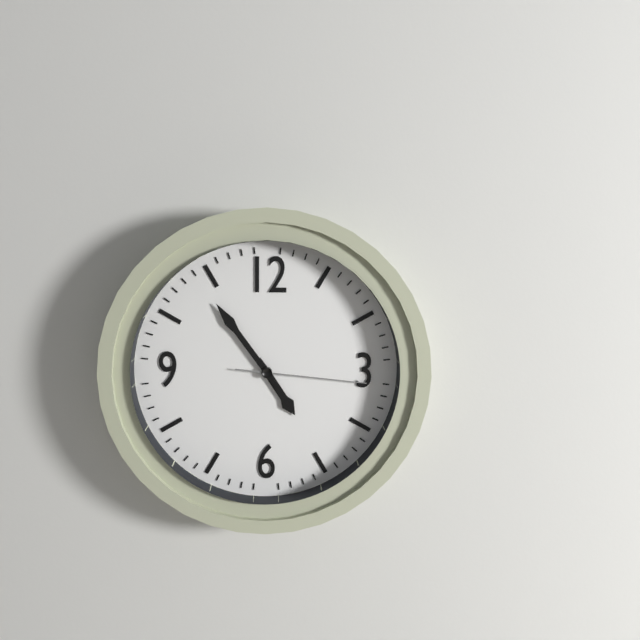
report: 4,54,16
